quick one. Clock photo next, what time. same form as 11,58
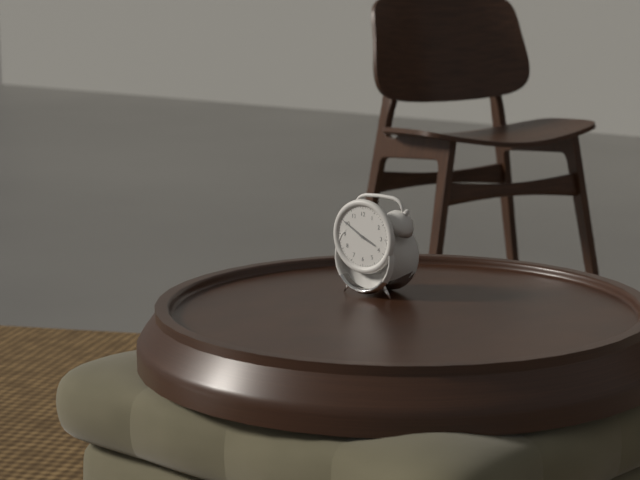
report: 3,50
